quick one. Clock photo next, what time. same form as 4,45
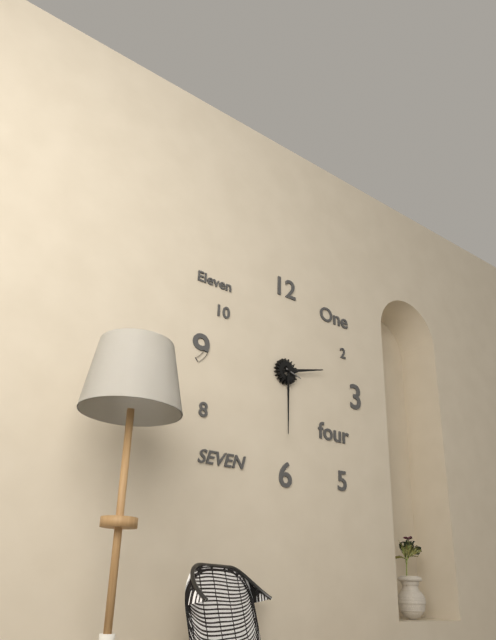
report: 2,30
